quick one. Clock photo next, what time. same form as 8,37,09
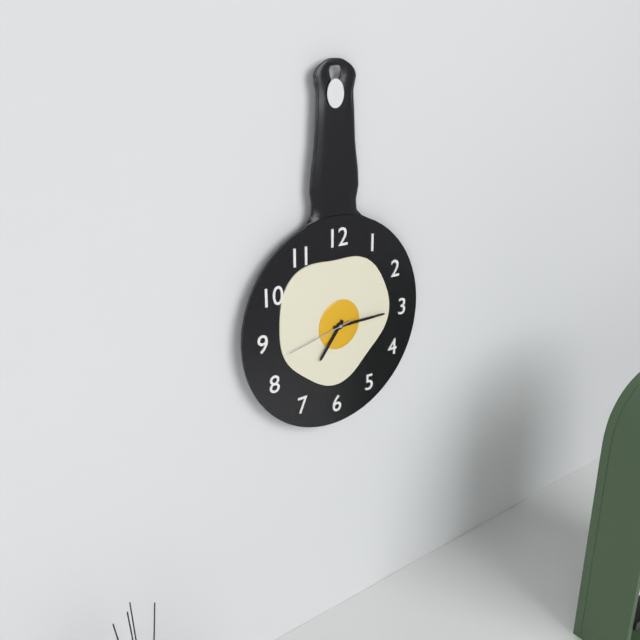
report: 7,15,43
